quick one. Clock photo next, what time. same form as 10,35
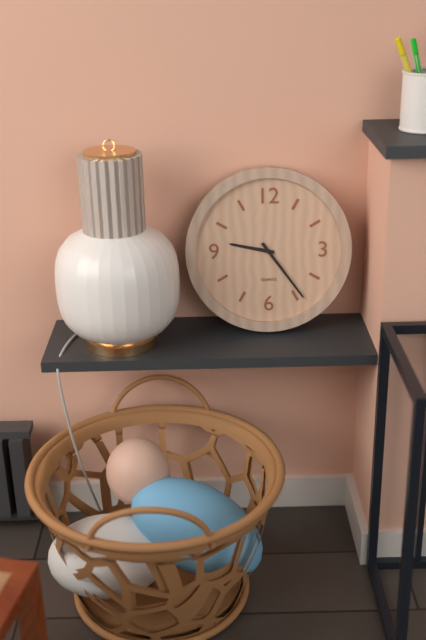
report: 9,24
